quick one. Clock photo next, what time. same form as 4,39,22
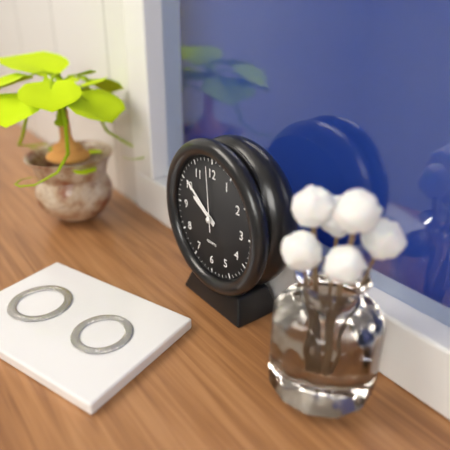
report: 9,51,59
